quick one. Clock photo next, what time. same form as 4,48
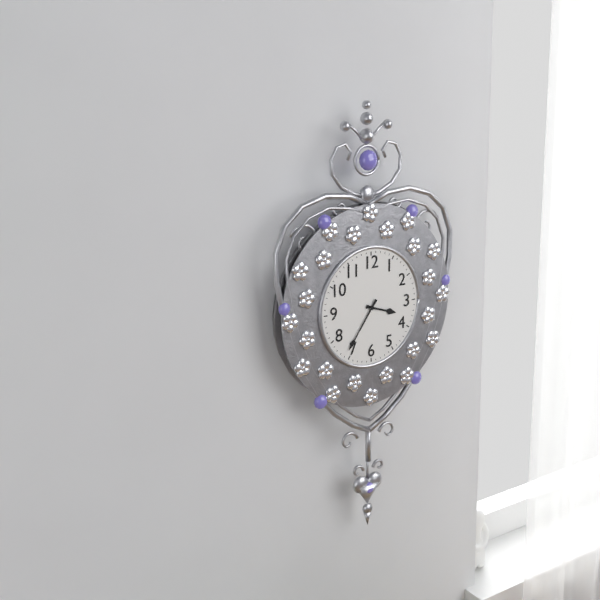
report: 3,36
